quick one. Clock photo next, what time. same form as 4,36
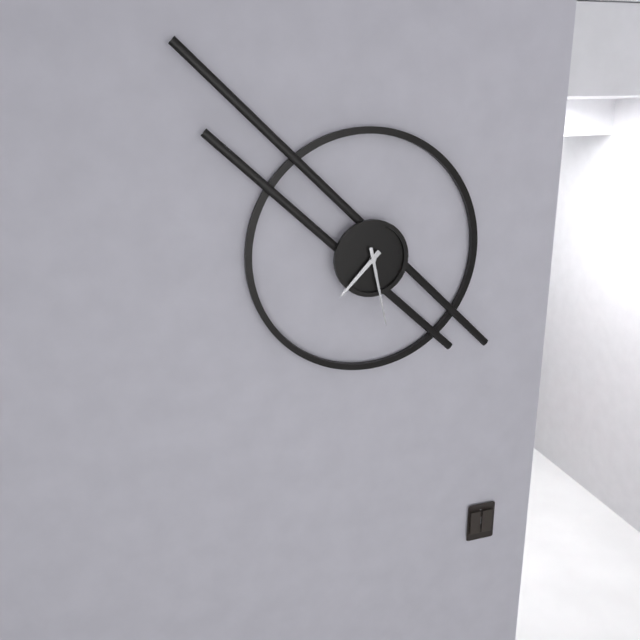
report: 7,28
